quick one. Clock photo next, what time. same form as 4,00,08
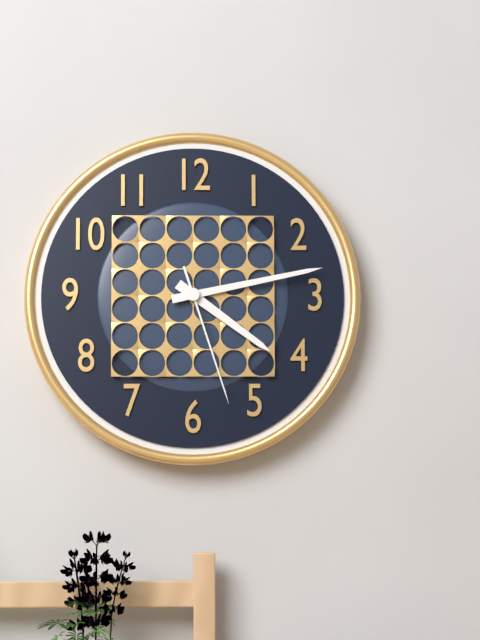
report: 4,13,27
